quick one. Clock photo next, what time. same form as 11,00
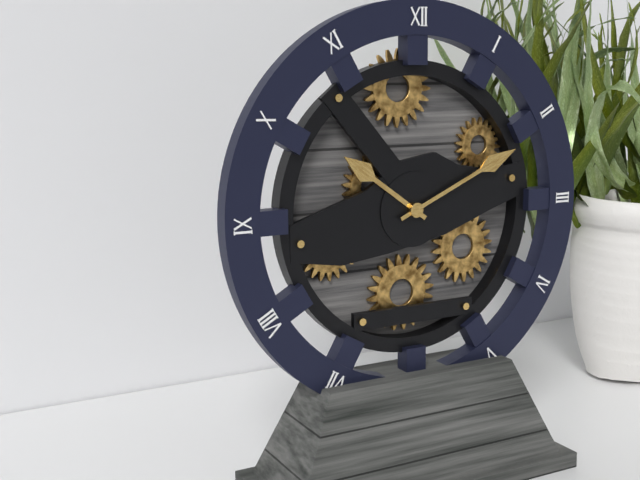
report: 10,11
